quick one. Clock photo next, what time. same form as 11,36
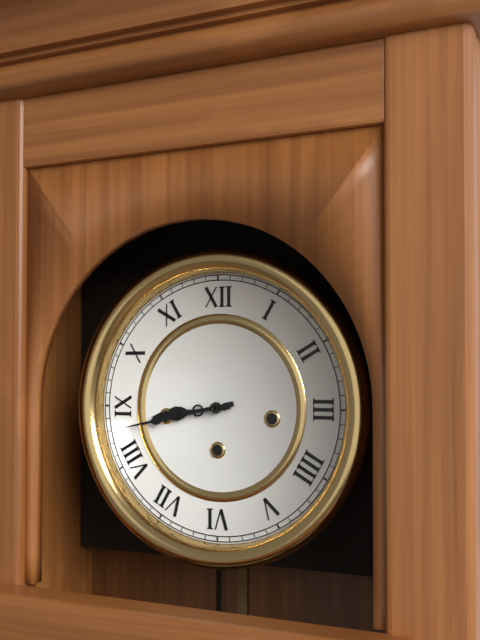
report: 8,43
